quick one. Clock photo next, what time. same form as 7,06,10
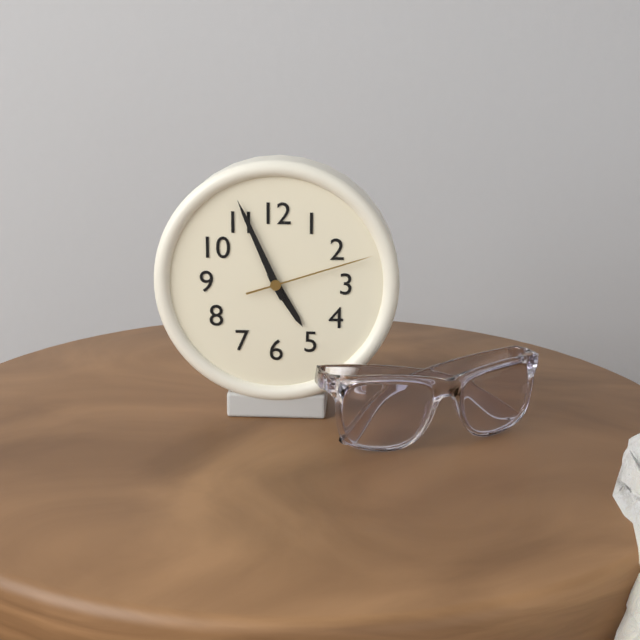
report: 4,56,12
